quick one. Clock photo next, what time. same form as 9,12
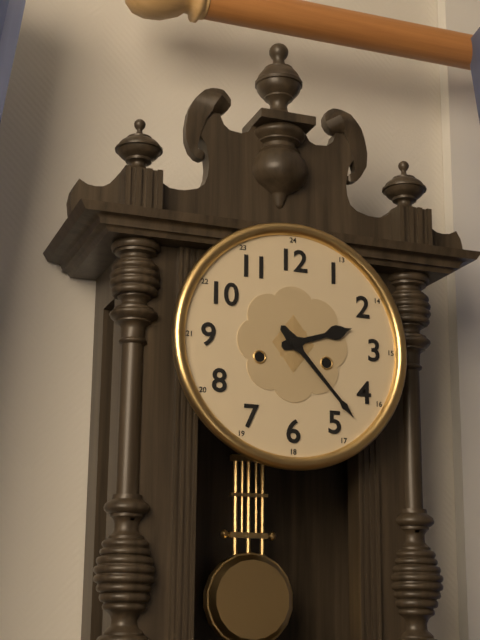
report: 2,23
